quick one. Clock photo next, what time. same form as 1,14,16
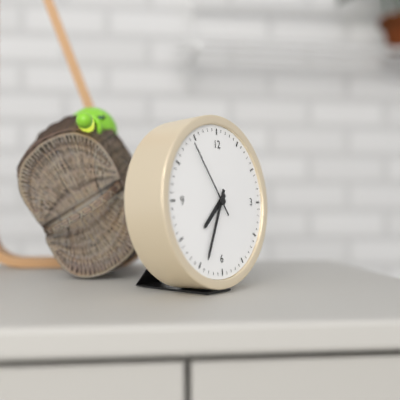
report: 7,34,54
